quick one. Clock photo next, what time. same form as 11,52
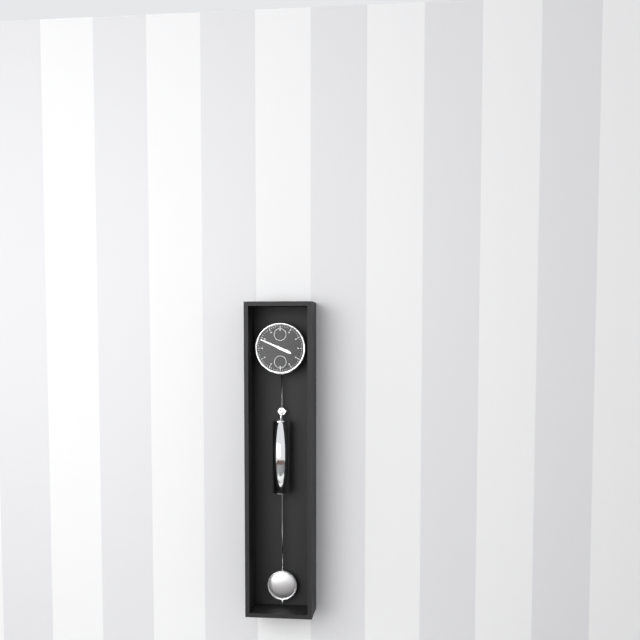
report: 3,49
